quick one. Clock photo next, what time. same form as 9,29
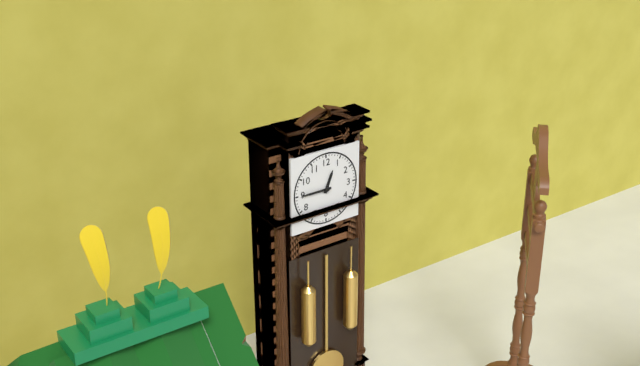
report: 12,45
